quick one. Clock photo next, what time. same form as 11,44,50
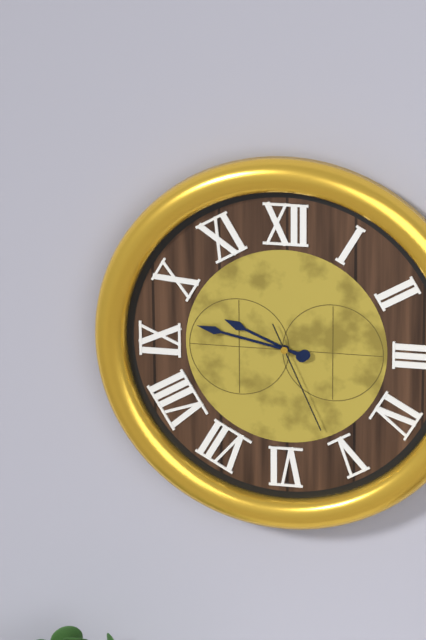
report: 9,47,26
